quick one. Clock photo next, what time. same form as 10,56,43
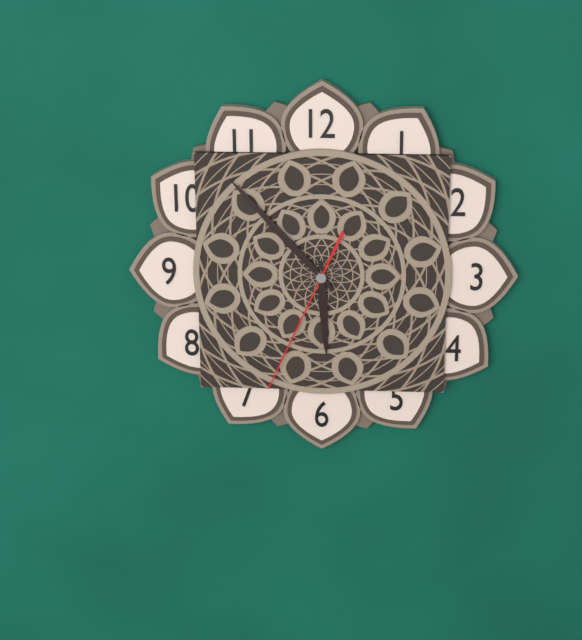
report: 5,53,34
